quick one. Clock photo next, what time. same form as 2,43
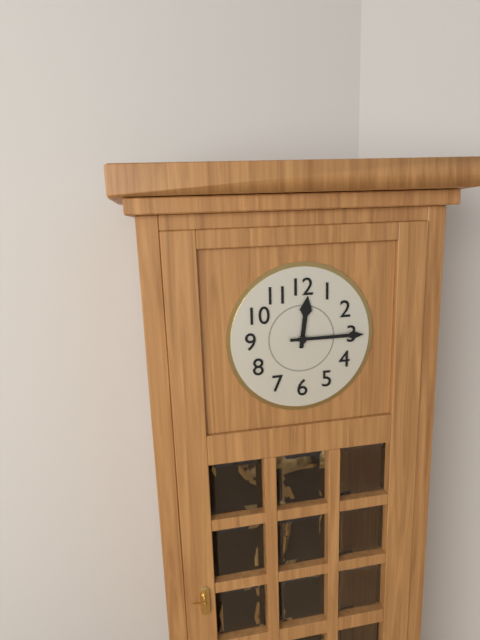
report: 12,15
